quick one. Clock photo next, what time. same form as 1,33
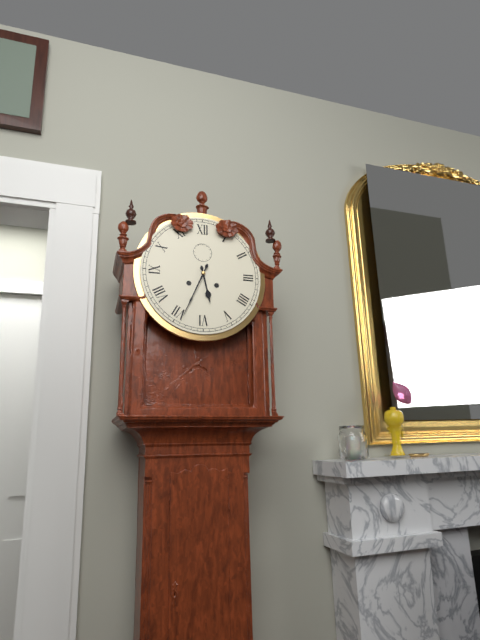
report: 5,34
